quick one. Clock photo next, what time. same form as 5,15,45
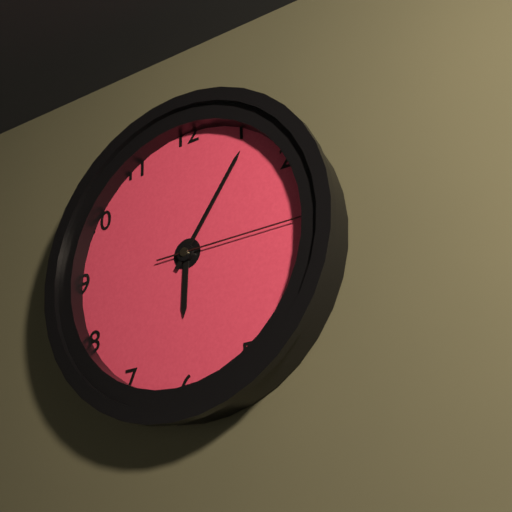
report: 6,06,15
